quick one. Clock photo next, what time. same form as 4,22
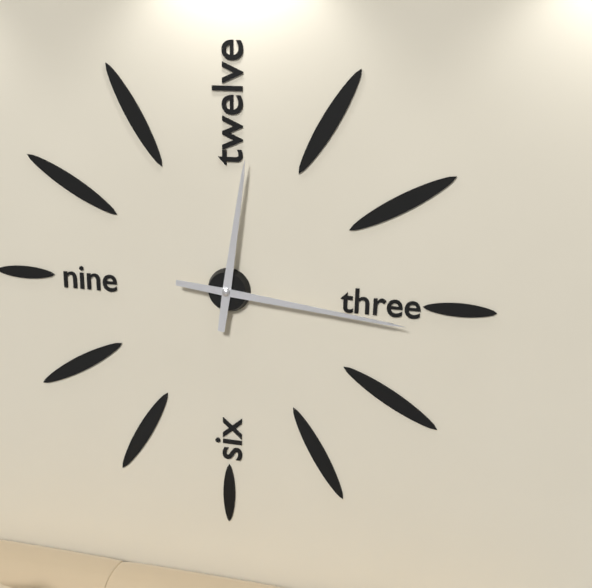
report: 12,16
